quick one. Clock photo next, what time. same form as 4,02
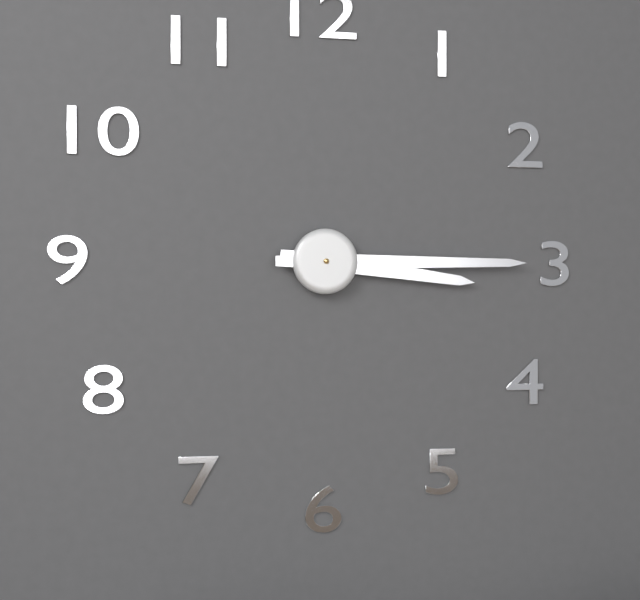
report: 3,15
